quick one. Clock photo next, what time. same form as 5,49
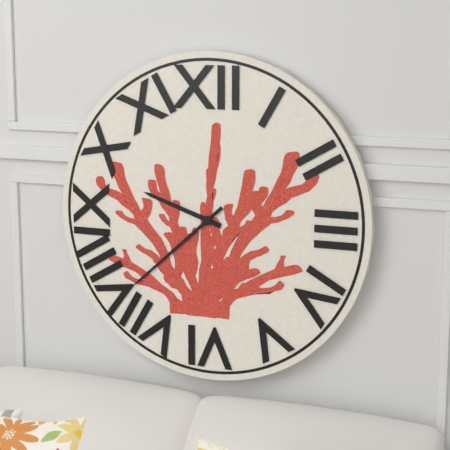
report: 9,38
